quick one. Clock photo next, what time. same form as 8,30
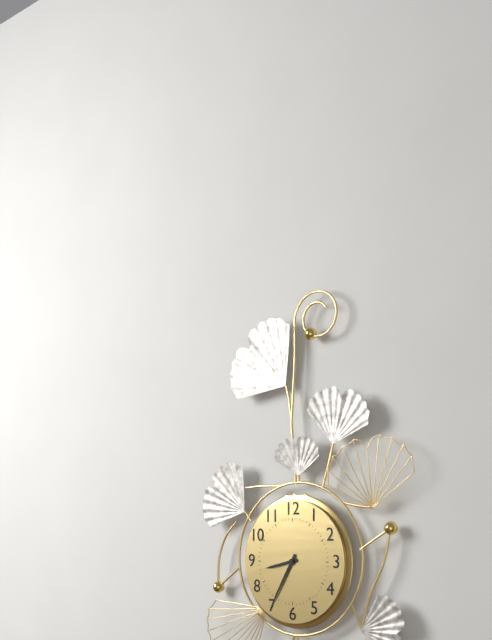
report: 8,35
